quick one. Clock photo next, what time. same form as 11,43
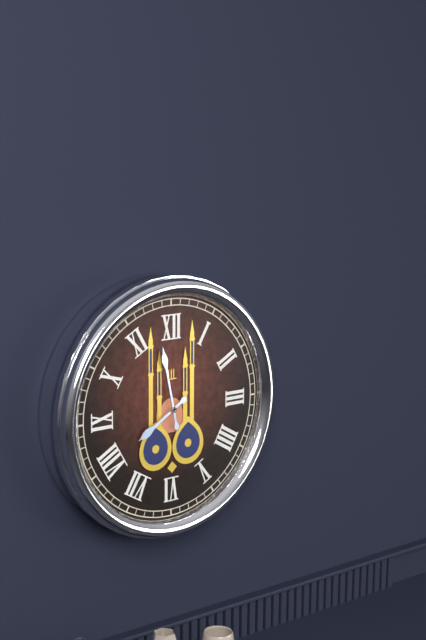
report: 7,58
